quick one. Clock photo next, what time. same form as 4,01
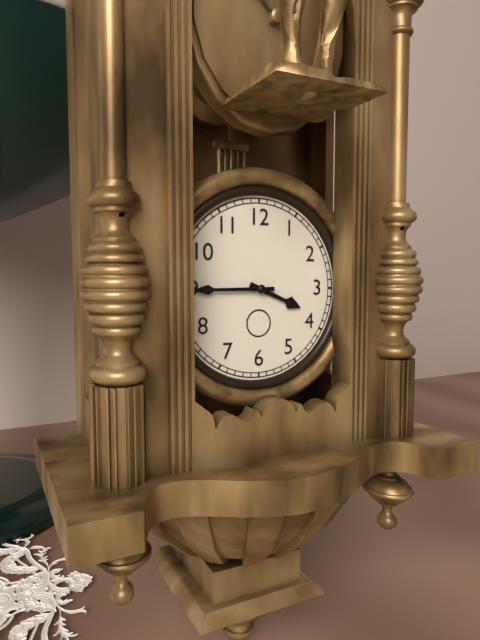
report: 3,45
